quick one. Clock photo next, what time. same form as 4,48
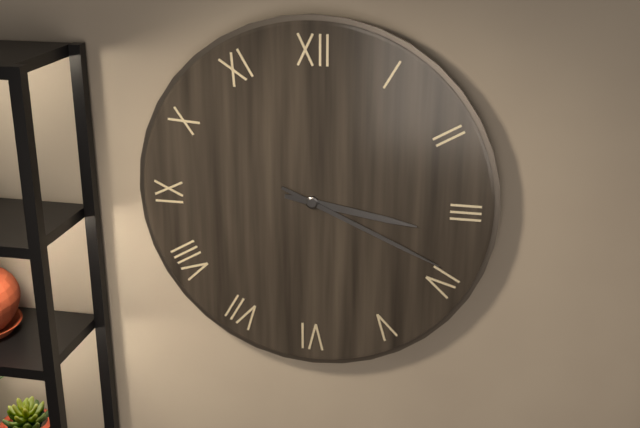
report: 3,19
